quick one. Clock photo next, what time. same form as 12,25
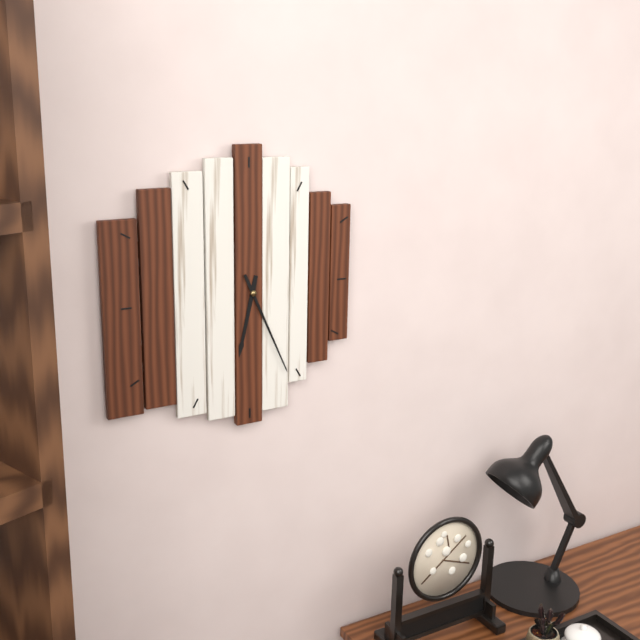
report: 6,26
